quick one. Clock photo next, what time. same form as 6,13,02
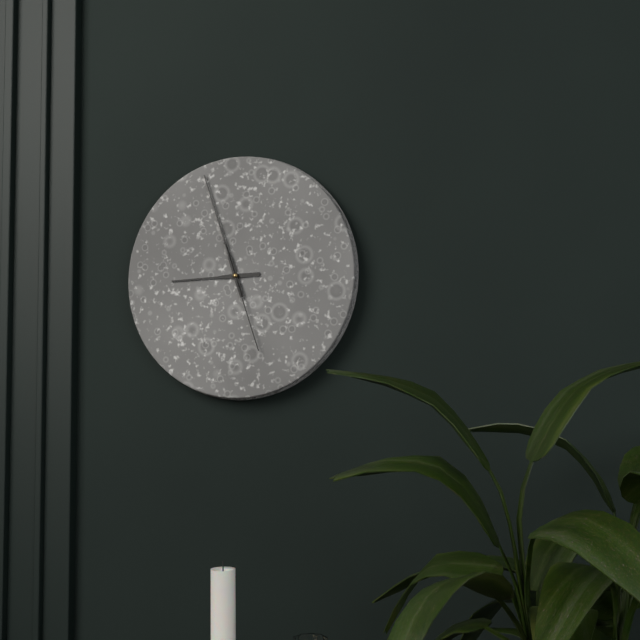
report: 8,57,27
